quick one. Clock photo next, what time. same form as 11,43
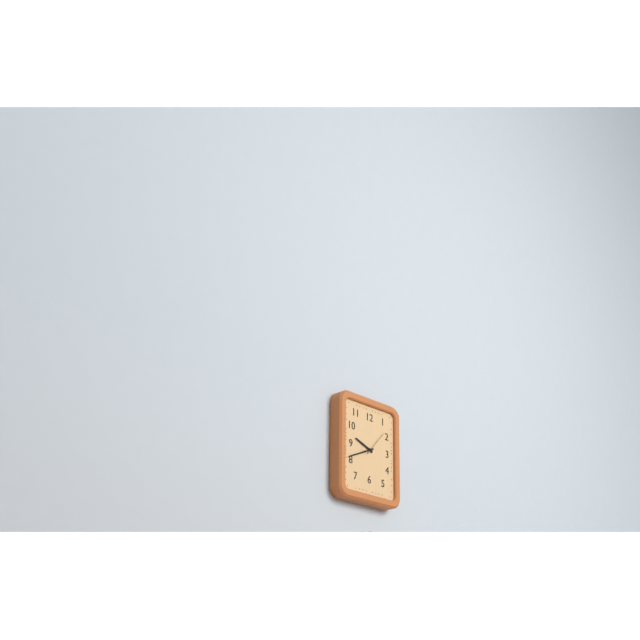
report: 9,41
